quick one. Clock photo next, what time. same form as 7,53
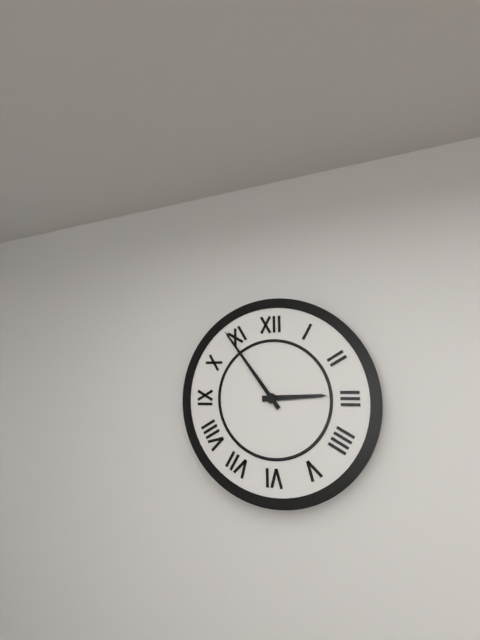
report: 2,54
